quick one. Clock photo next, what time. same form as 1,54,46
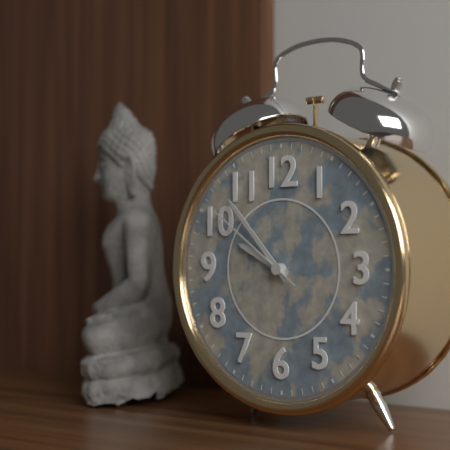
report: 9,53,51
